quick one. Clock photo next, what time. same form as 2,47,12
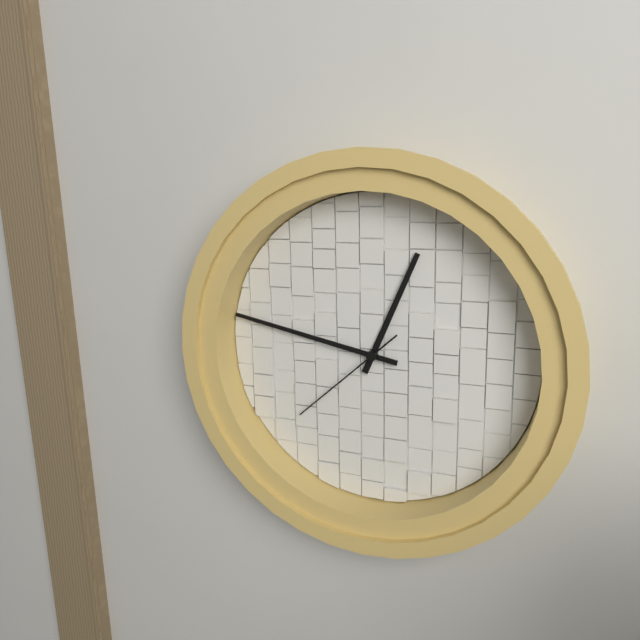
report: 12,47,38
